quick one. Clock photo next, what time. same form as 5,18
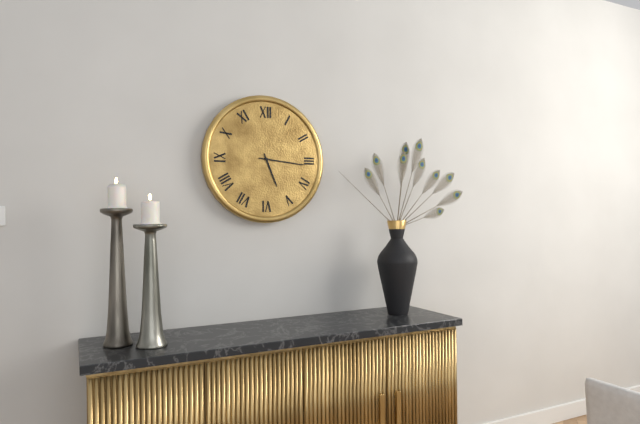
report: 5,16
